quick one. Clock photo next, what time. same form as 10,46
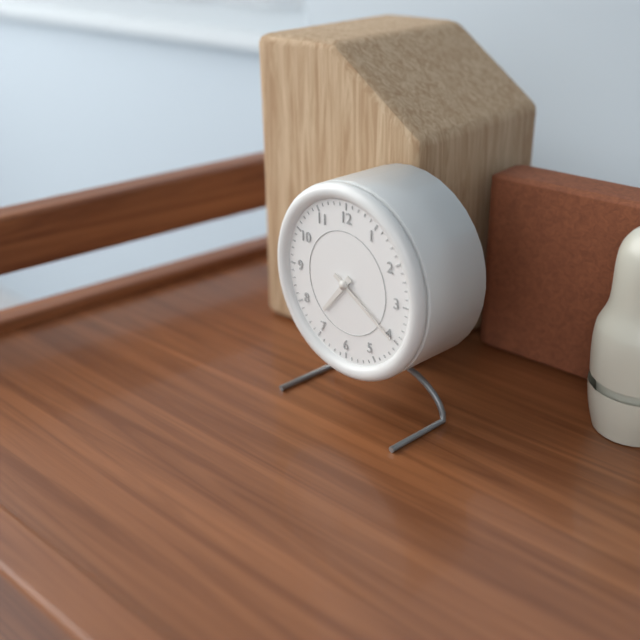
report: 7,20
